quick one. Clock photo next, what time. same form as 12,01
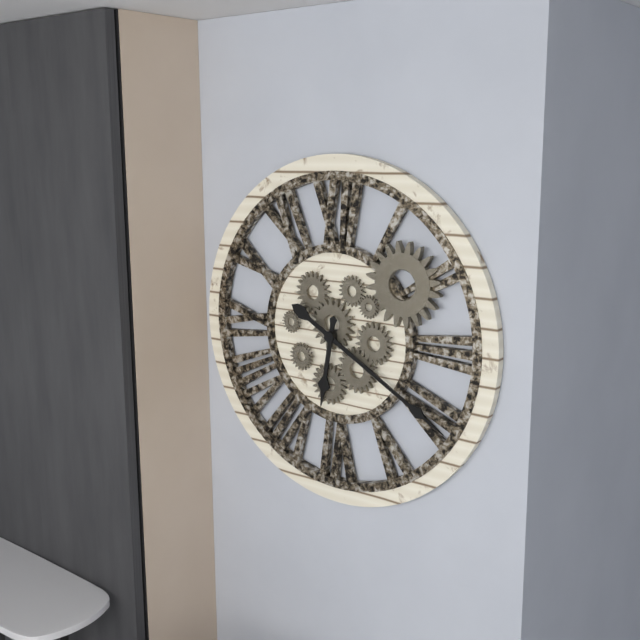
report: 6,20
